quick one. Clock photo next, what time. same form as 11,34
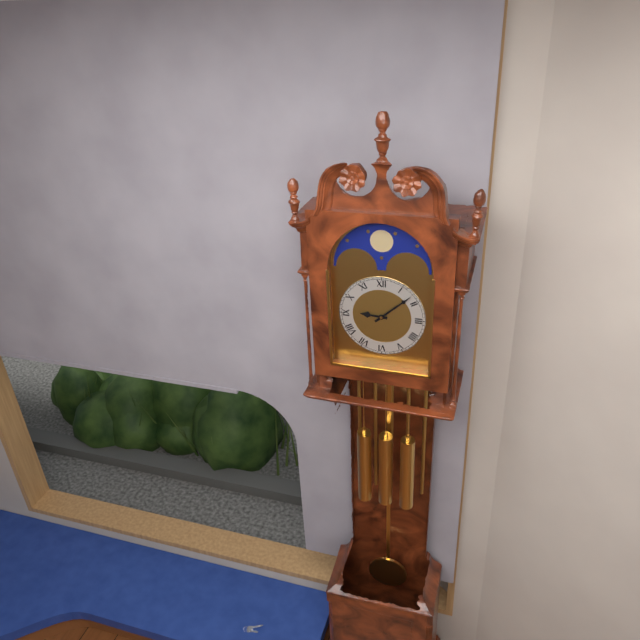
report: 9,08
